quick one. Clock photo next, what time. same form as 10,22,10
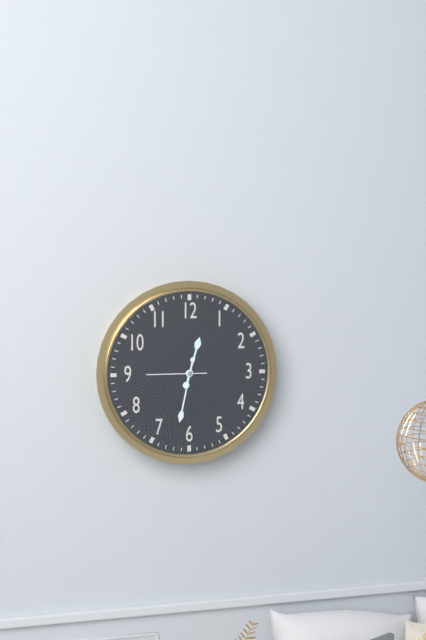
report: 12,32,45
